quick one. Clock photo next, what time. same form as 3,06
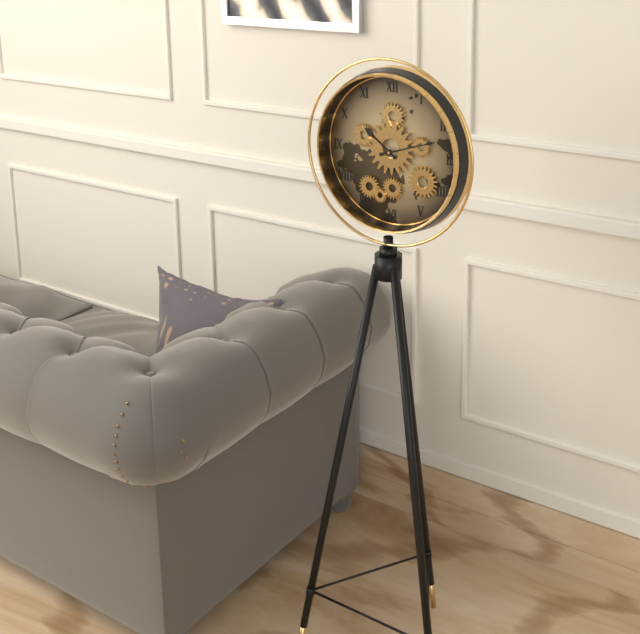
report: 10,12
